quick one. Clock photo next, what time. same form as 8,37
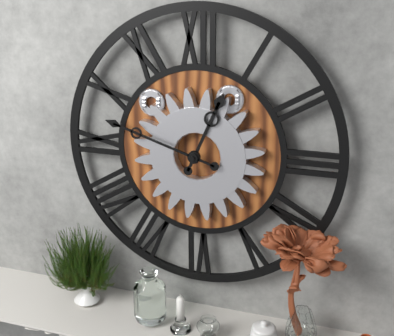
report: 12,48
